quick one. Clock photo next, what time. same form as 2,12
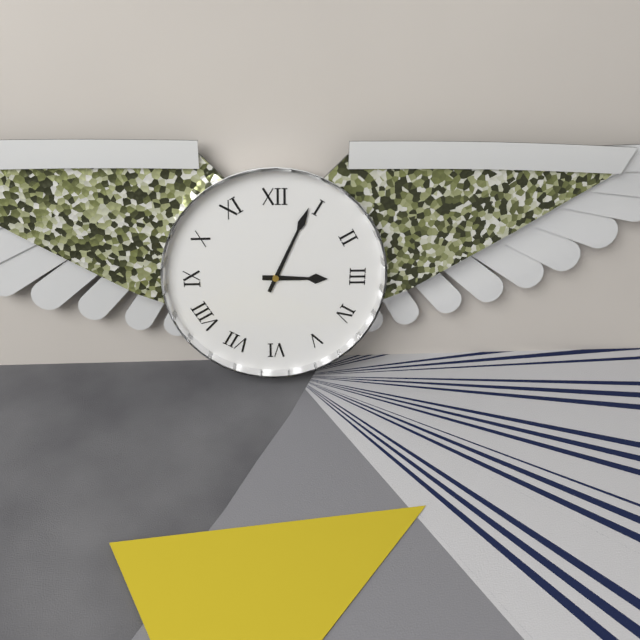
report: 3,04
